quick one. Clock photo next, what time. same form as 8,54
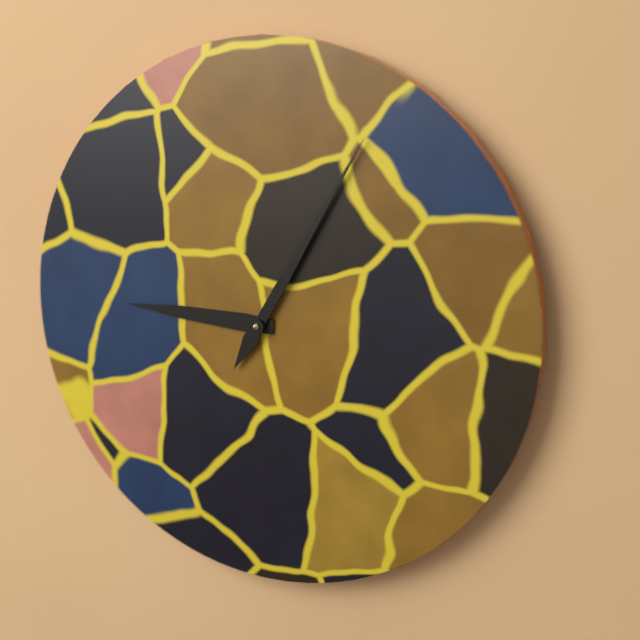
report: 9,05
